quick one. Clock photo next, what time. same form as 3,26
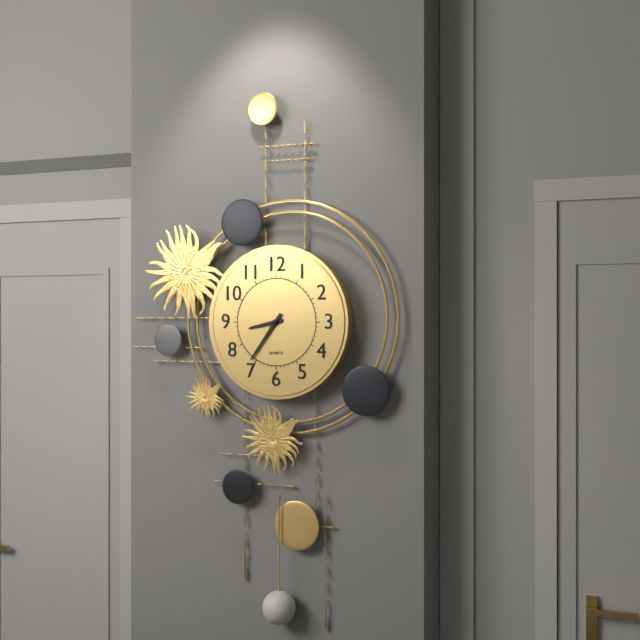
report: 8,36
